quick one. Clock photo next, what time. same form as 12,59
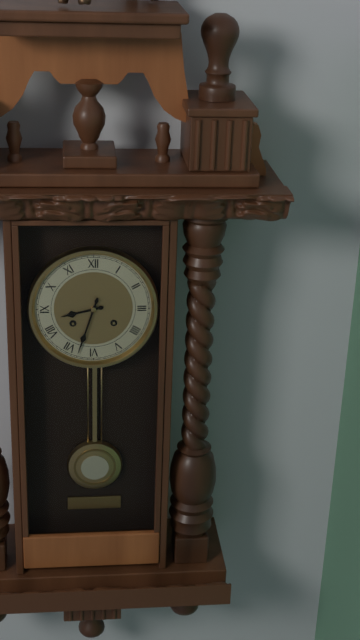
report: 8,33
